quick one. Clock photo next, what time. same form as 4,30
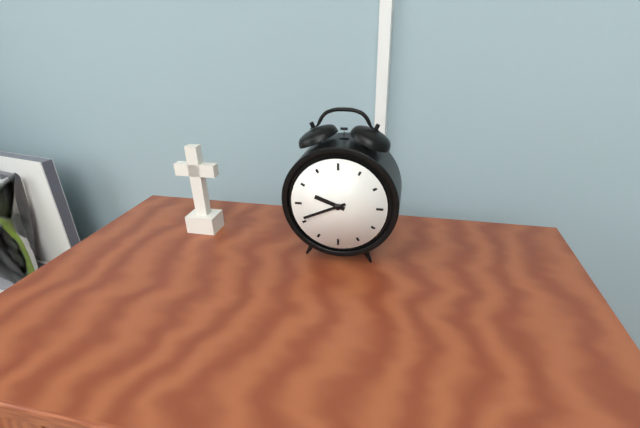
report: 9,41
